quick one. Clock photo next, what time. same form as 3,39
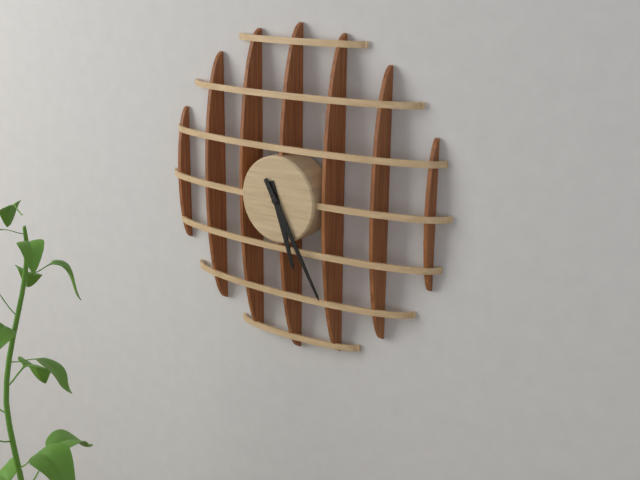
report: 5,25
